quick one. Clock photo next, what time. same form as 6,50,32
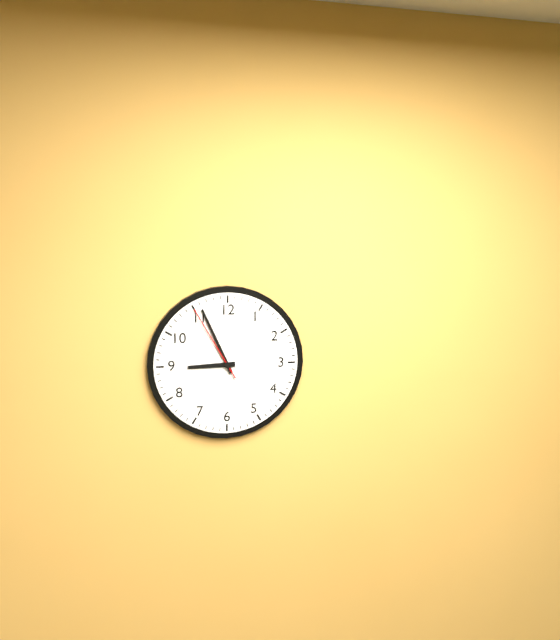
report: 8,56,55
